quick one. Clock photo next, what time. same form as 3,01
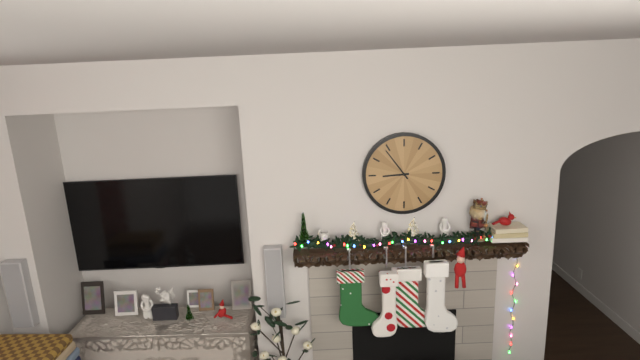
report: 8,54
